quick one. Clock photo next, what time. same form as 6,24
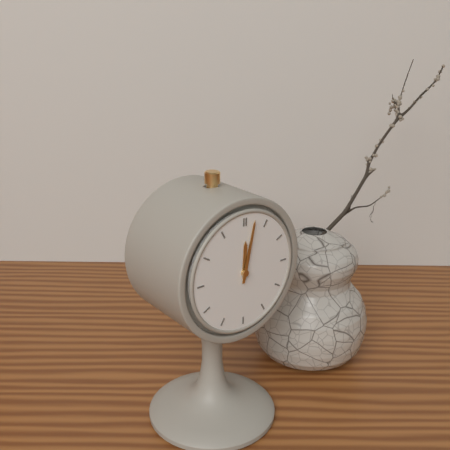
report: 12,02
